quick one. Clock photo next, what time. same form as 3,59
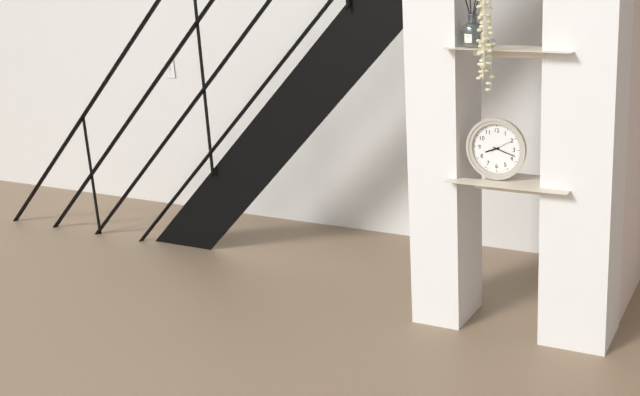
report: 8,18
